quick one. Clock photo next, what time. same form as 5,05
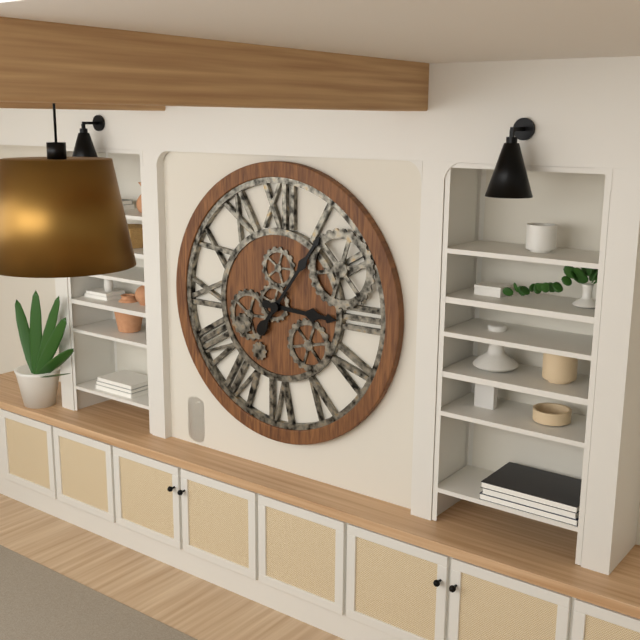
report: 3,06
